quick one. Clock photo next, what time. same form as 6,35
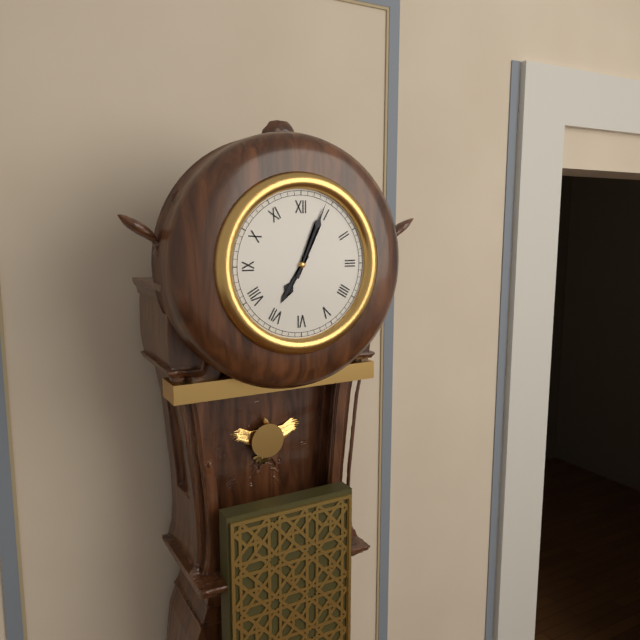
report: 7,04
